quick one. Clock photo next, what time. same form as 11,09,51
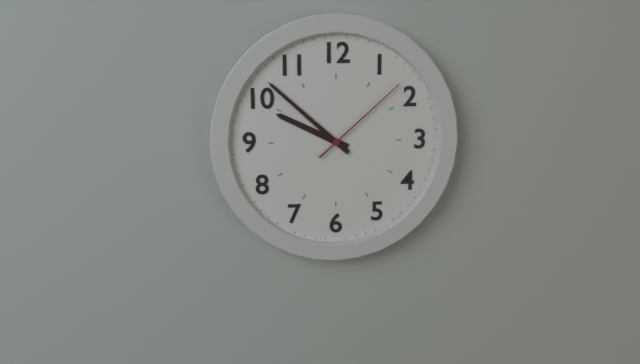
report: 9,52,08
